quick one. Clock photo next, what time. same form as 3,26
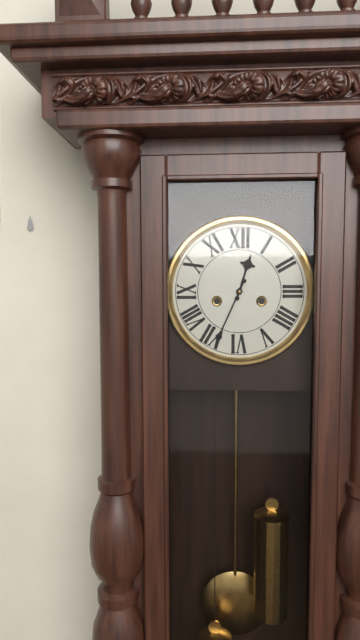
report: 12,34
